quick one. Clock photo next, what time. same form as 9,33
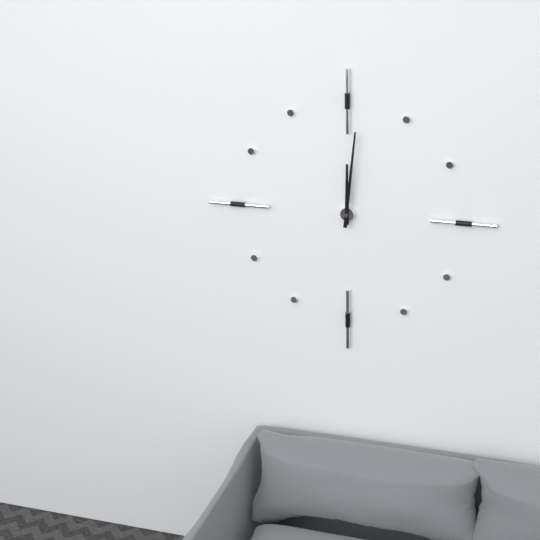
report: 12,01
